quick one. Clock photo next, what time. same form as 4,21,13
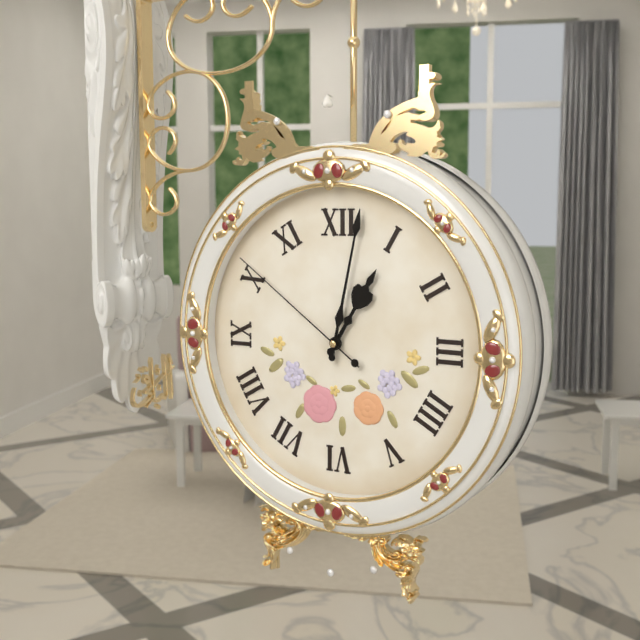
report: 1,02,51
